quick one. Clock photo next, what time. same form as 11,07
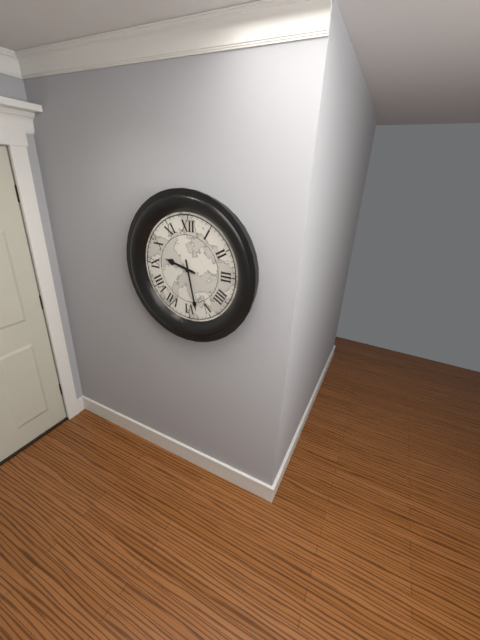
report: 9,28
